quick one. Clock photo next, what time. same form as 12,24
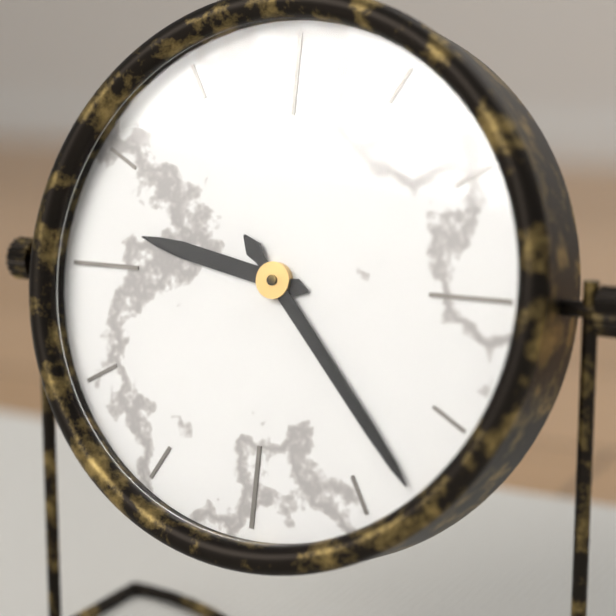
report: 9,23
